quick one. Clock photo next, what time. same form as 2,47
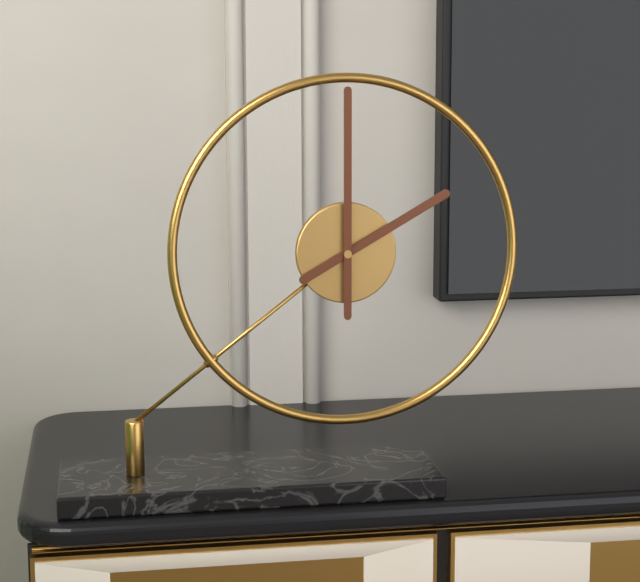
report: 2,00
